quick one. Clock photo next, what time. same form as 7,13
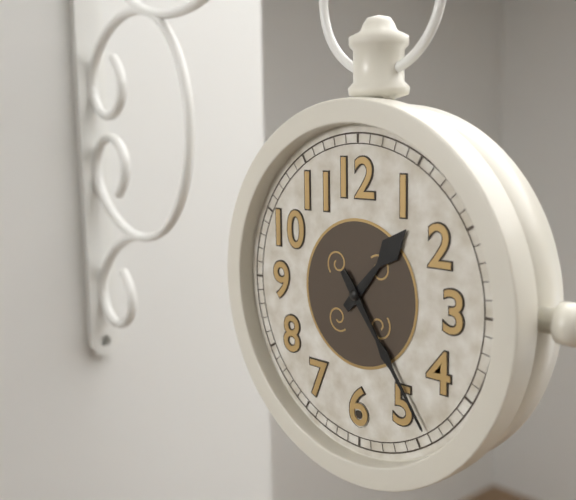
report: 1,24
